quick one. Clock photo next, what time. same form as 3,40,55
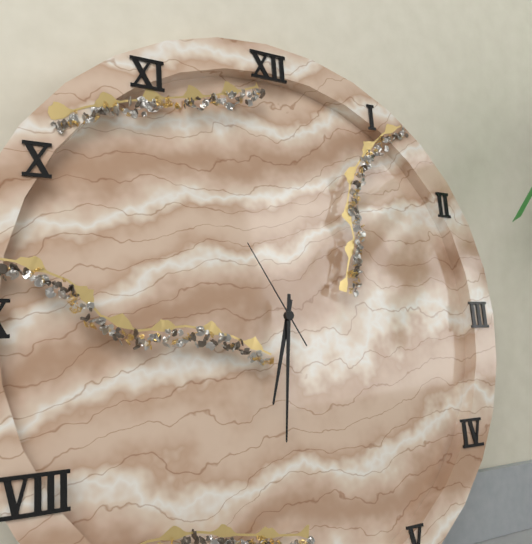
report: 6,31,55
